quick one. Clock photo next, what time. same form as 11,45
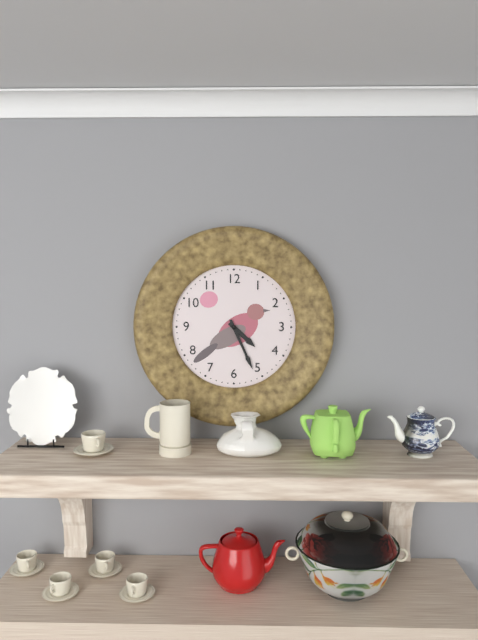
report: 4,26
